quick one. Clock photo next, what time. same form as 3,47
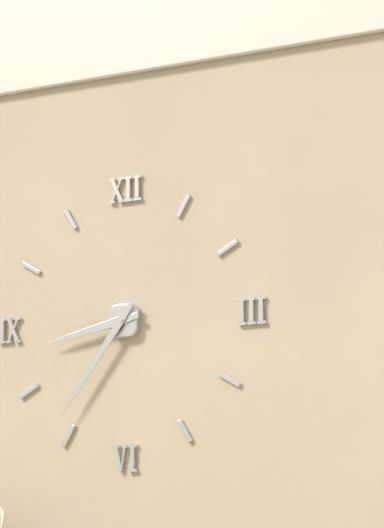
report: 8,36
